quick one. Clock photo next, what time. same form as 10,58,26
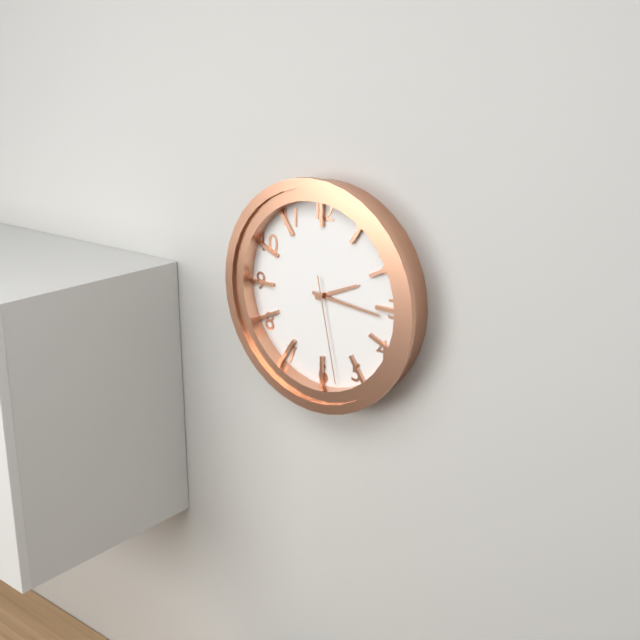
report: 2,16,28
